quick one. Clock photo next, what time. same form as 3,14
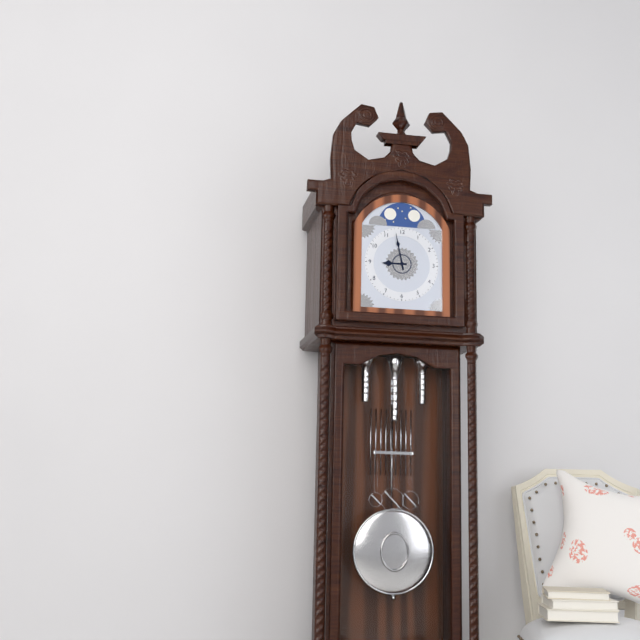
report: 8,58
